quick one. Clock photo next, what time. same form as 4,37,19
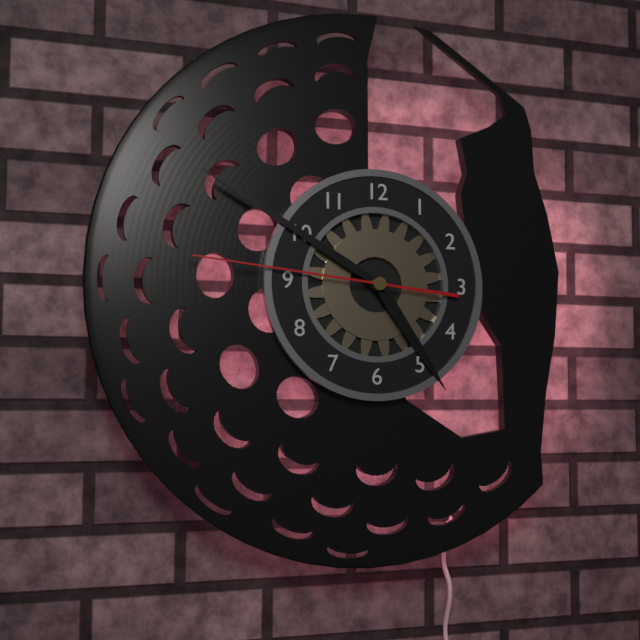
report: 4,50,46
